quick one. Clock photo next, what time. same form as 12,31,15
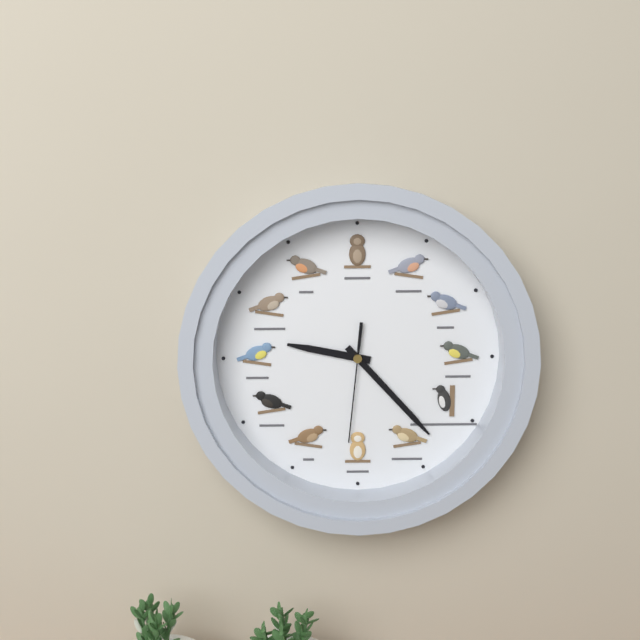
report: 9,23,31
